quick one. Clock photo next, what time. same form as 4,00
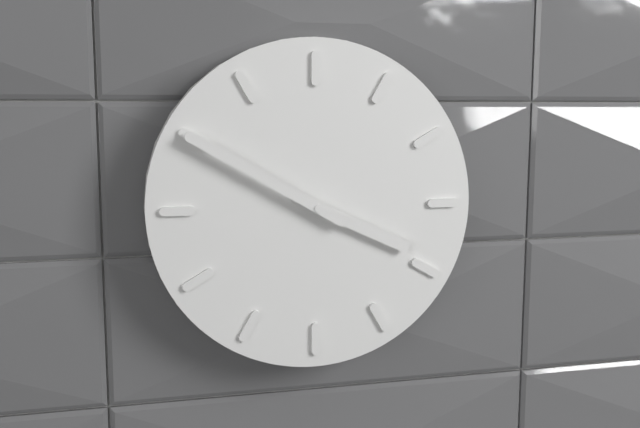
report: 3,50
